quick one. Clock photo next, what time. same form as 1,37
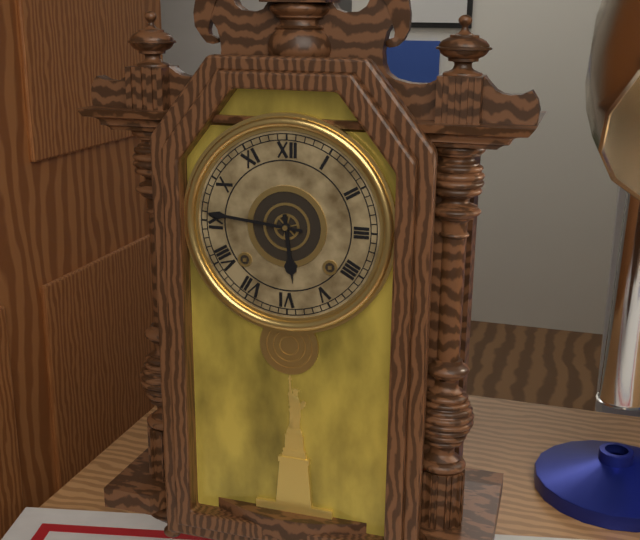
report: 5,46
